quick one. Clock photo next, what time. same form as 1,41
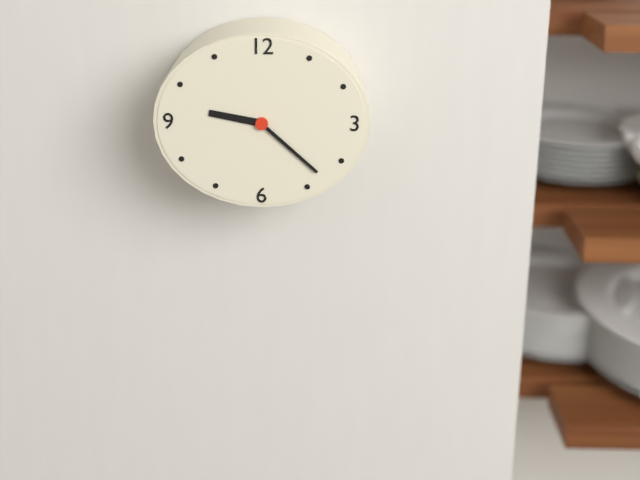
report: 9,22
